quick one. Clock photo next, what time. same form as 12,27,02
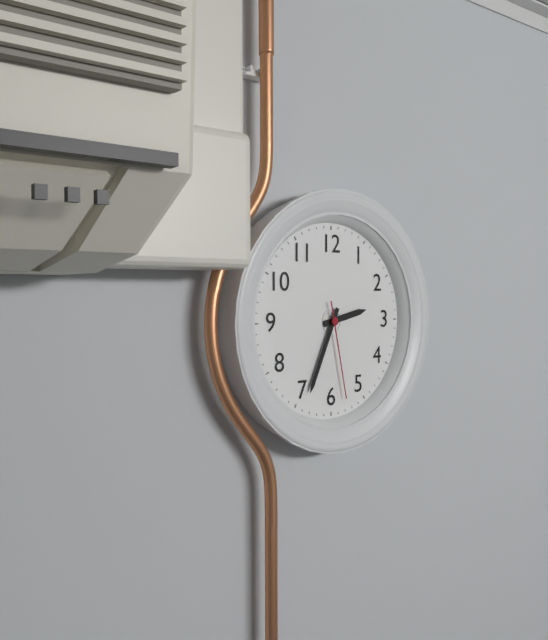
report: 2,34,28
